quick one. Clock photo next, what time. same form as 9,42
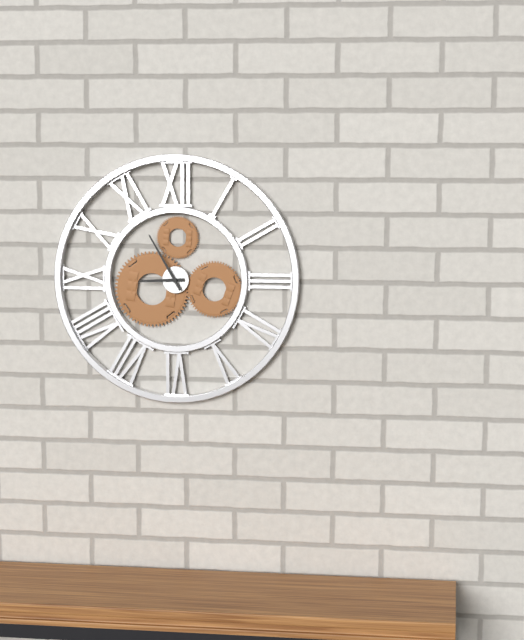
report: 8,55
